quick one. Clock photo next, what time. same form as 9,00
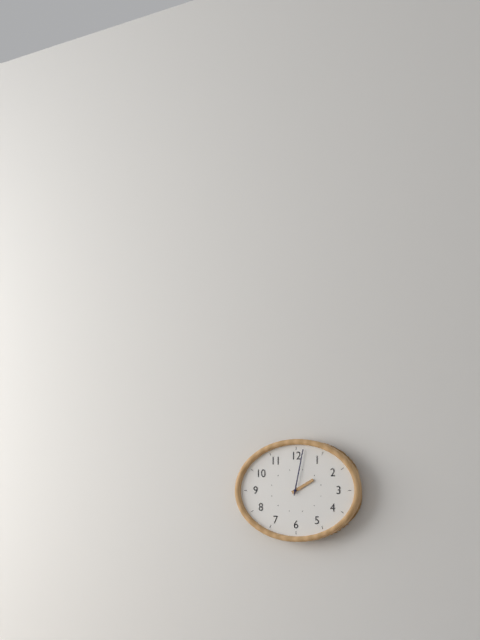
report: 2,02
